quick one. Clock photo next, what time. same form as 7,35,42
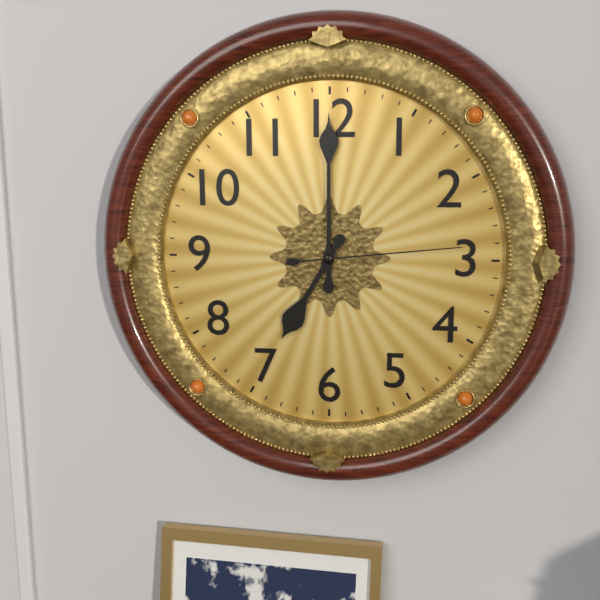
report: 7,00,14
